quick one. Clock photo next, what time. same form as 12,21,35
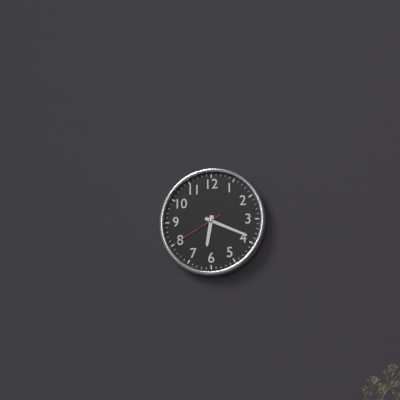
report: 6,19,40
